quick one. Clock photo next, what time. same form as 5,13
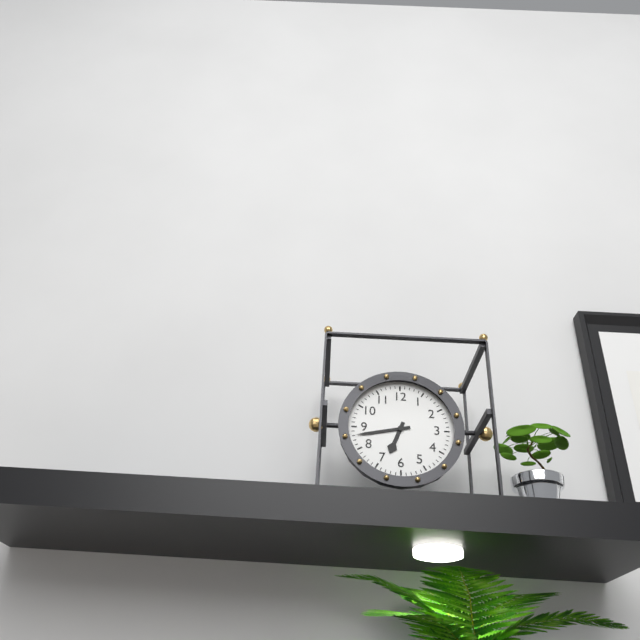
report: 6,43
